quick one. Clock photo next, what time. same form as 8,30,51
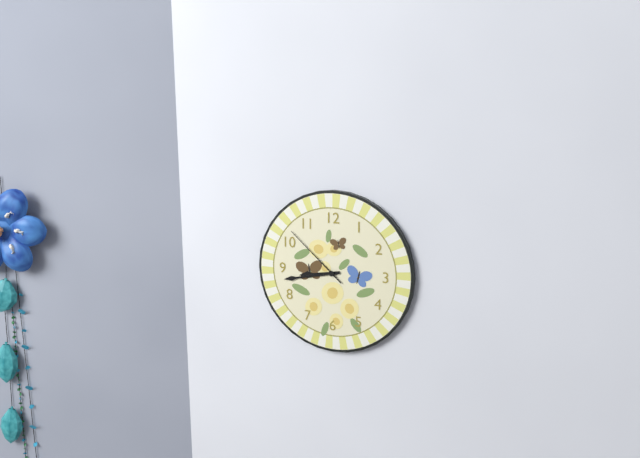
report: 8,43,52
